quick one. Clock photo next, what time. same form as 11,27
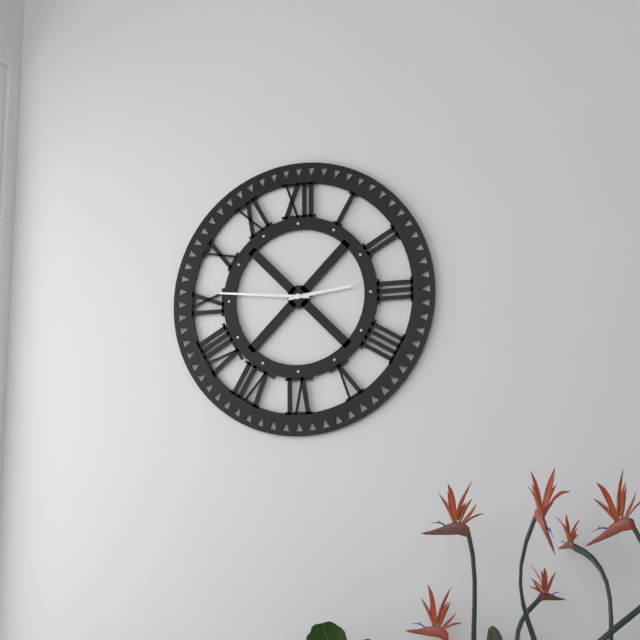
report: 2,46
